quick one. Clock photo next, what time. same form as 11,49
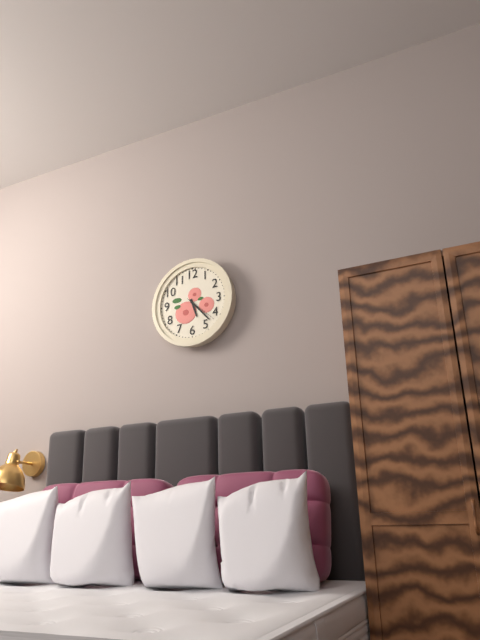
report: 5,23
